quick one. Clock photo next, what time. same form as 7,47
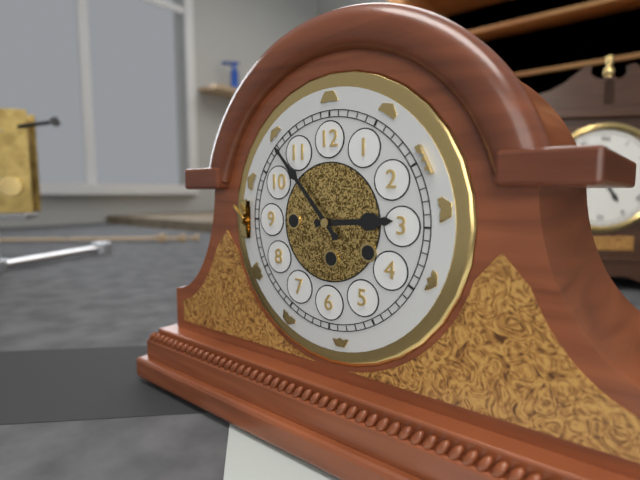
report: 2,53
